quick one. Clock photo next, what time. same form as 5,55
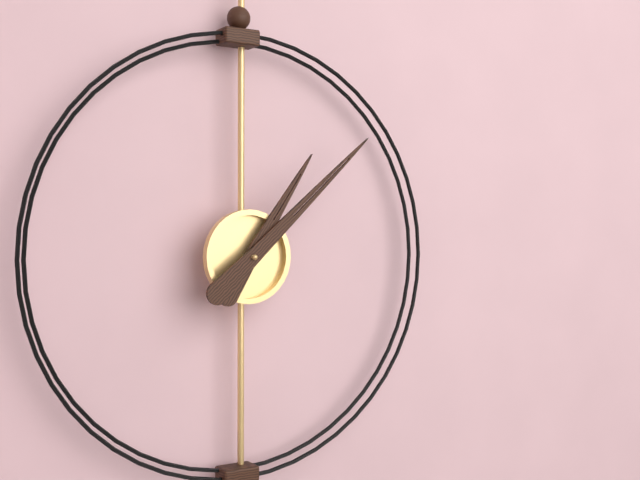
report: 1,08
